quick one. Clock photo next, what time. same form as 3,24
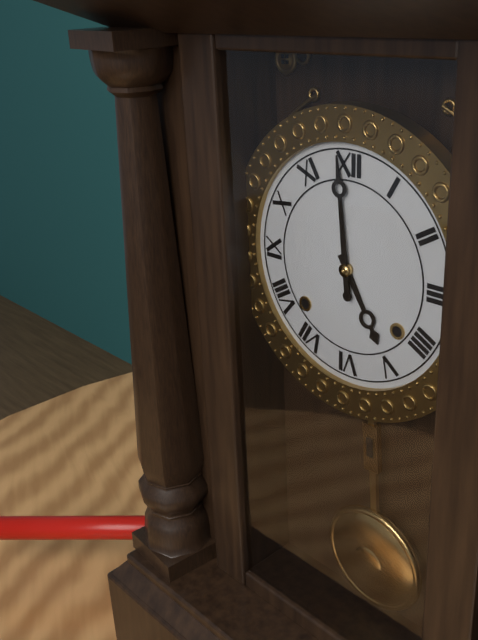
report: 4,59
